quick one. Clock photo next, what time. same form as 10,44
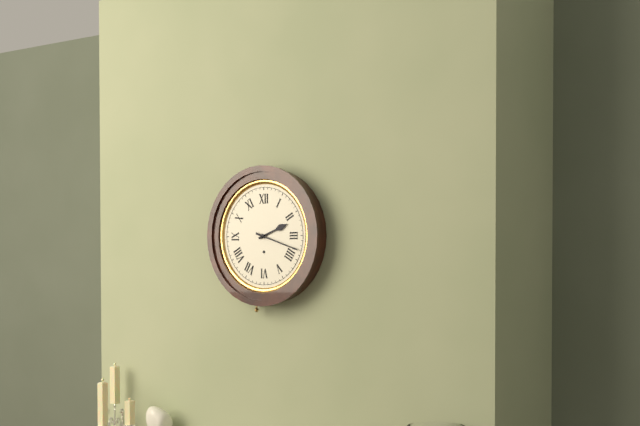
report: 2,18
